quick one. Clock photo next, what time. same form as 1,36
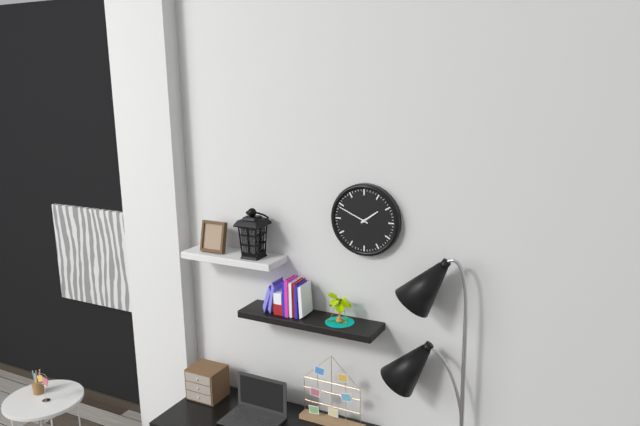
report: 1,49
